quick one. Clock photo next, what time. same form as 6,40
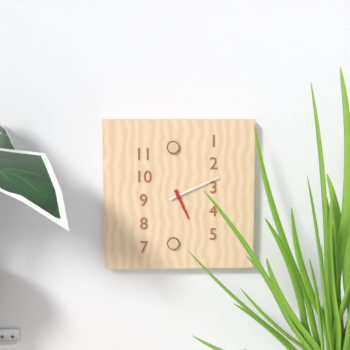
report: 5,11
